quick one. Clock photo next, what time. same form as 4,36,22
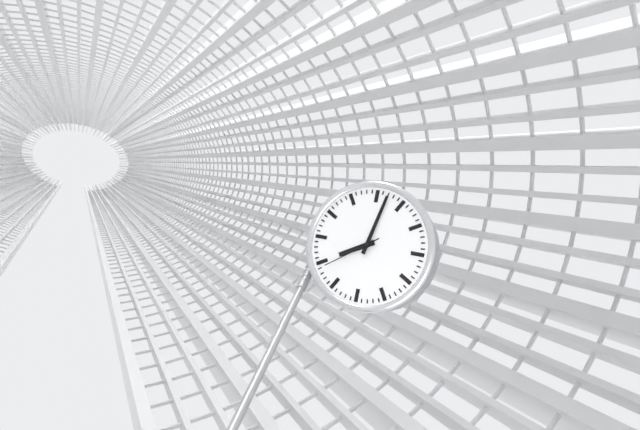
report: 8,02,39
